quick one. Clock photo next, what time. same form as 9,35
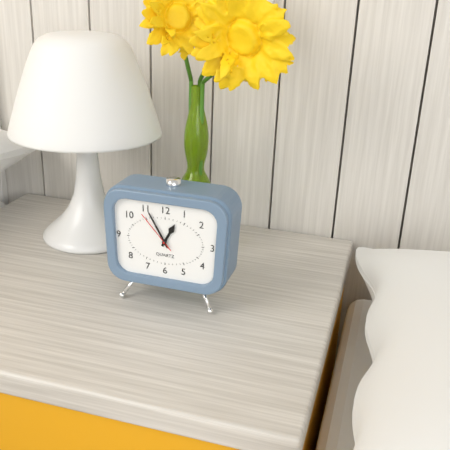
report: 12,55
